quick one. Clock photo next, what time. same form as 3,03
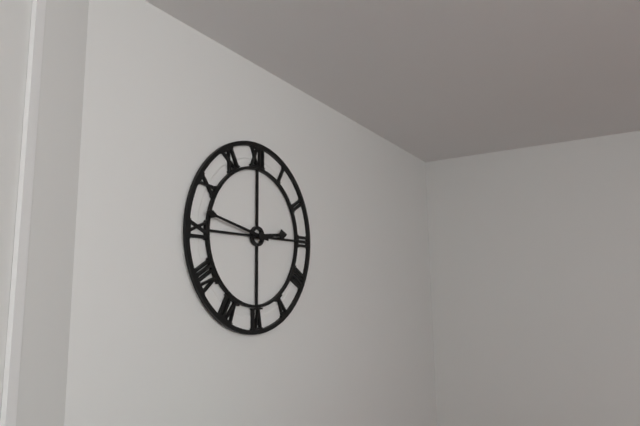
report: 2,47
